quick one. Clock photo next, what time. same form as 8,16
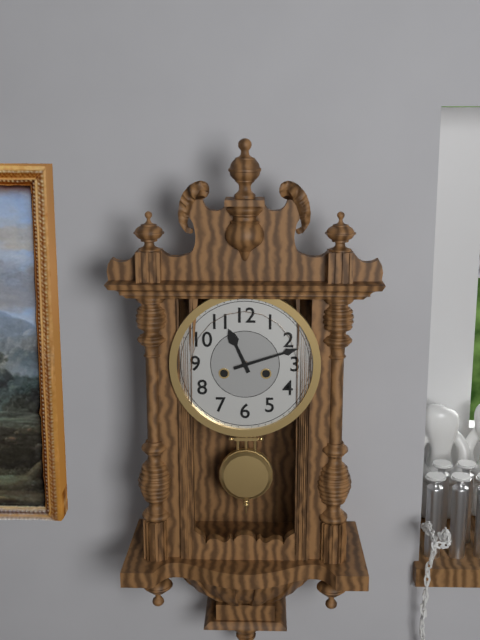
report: 11,12
